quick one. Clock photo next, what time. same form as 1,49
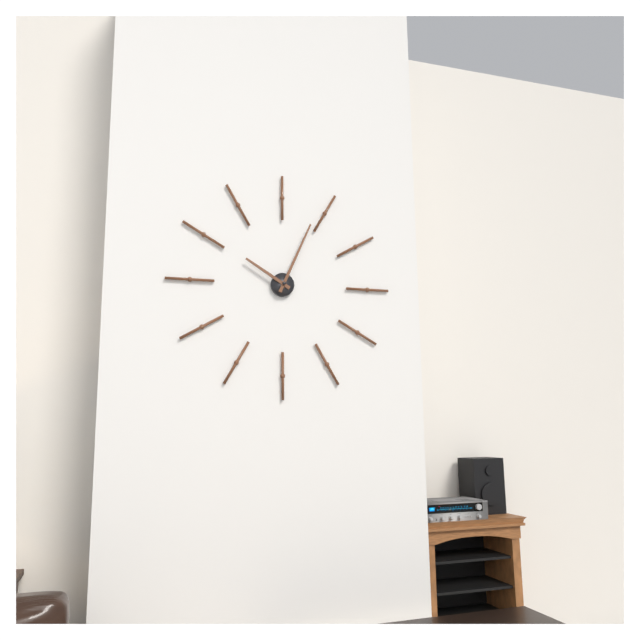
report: 10,04
